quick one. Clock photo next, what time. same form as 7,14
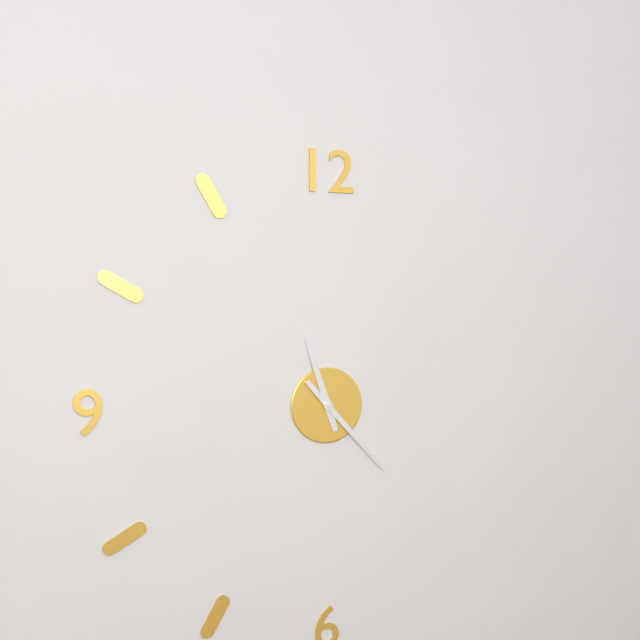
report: 11,23
